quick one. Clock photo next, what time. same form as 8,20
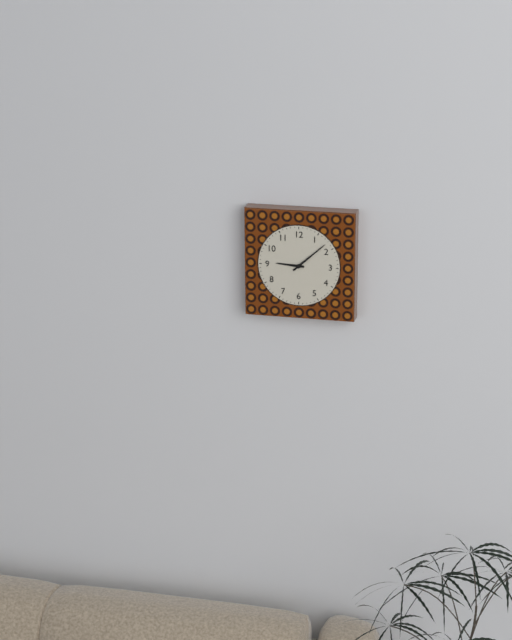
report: 9,08
